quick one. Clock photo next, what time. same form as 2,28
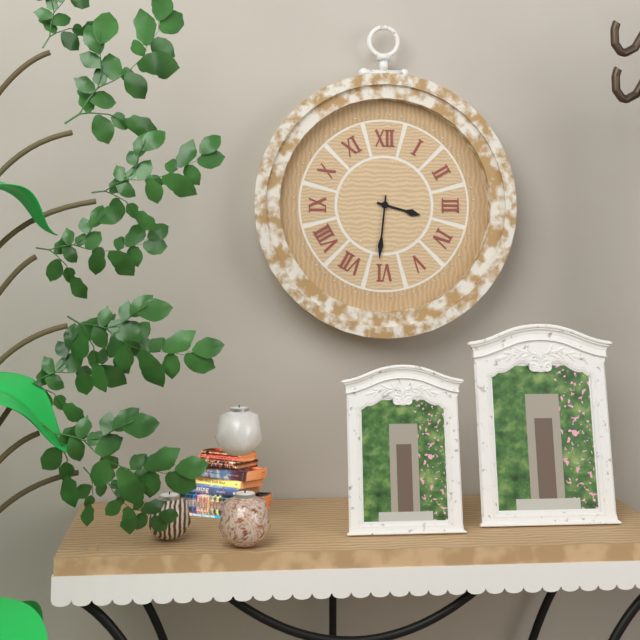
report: 3,31
